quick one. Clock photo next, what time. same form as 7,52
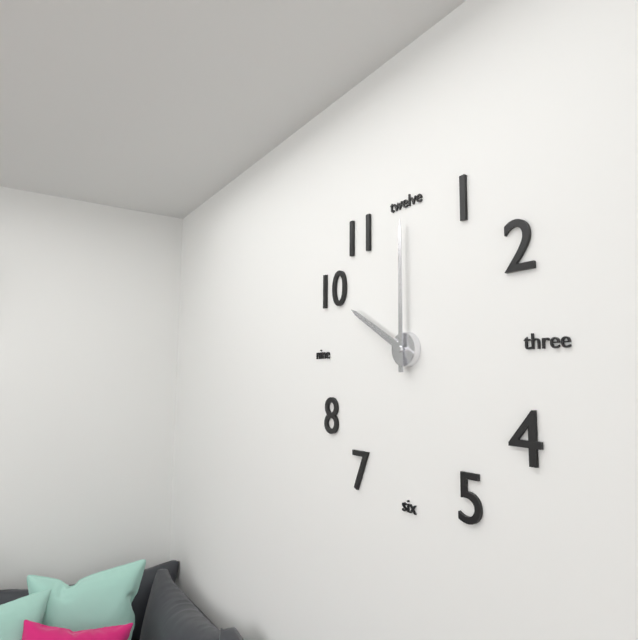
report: 10,00
